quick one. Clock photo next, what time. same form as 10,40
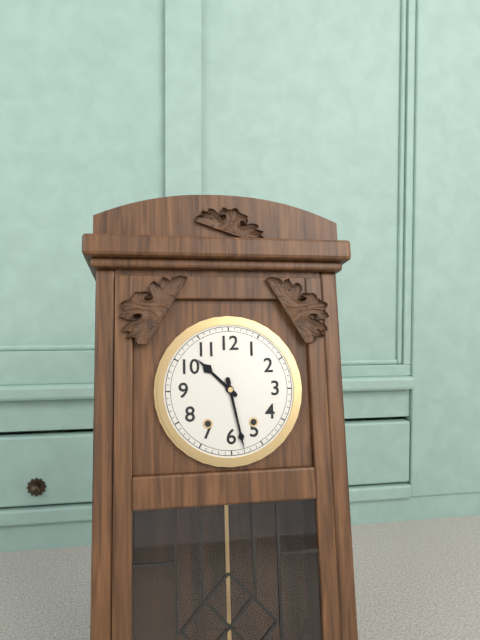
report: 10,28
